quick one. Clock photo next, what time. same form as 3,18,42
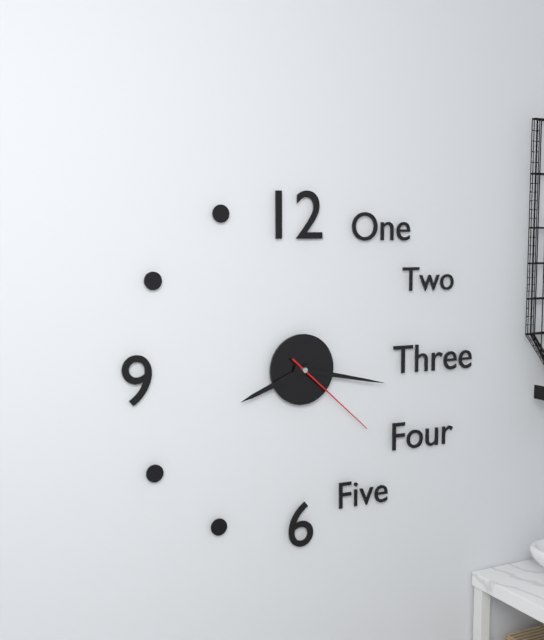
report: 8,17,22
